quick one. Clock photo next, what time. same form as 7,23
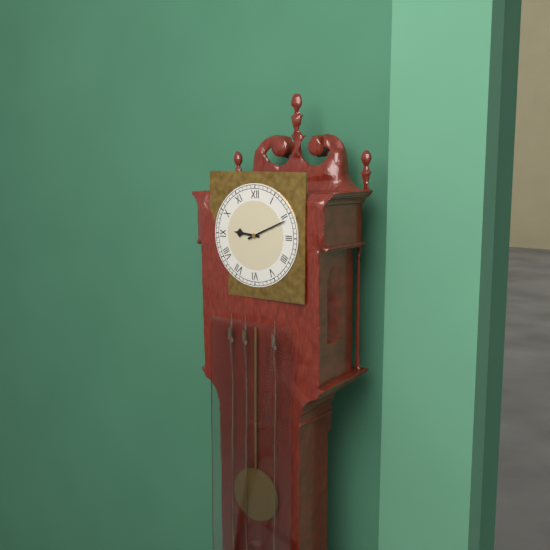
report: 9,11
